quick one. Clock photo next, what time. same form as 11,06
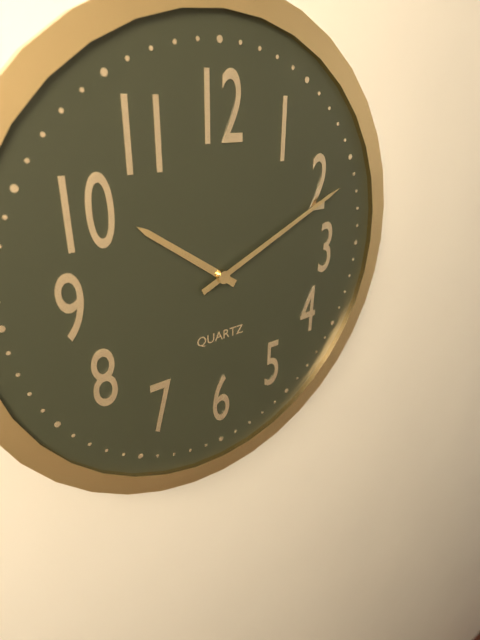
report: 10,11
